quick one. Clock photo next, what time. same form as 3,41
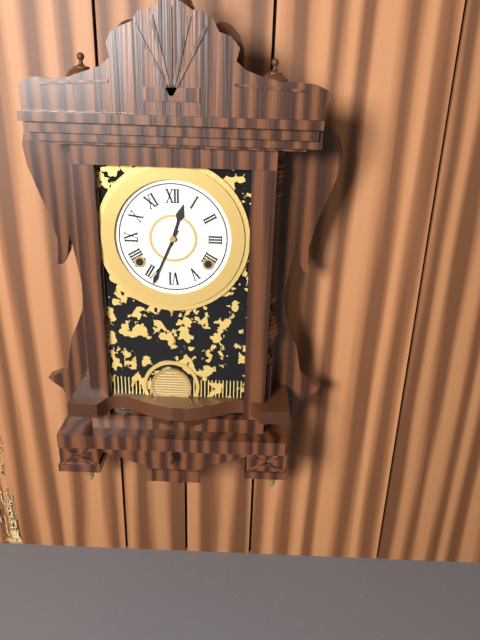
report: 12,34
